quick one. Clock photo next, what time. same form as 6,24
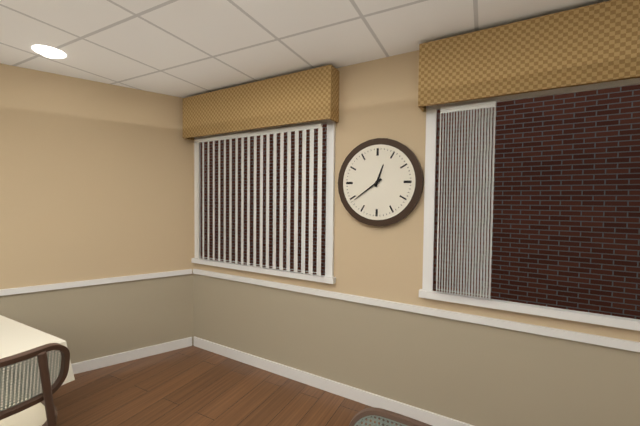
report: 12,39
